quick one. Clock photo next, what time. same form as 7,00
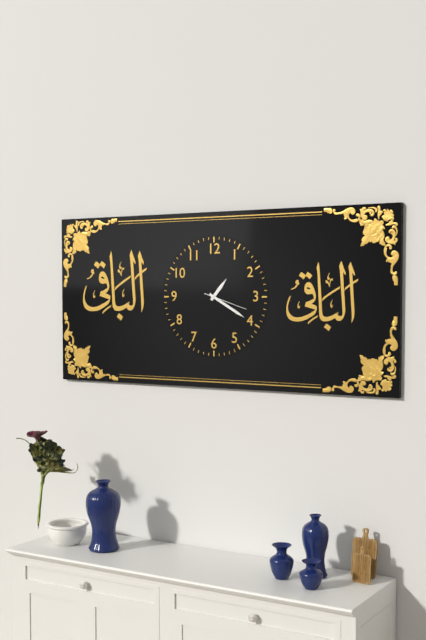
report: 1,20
